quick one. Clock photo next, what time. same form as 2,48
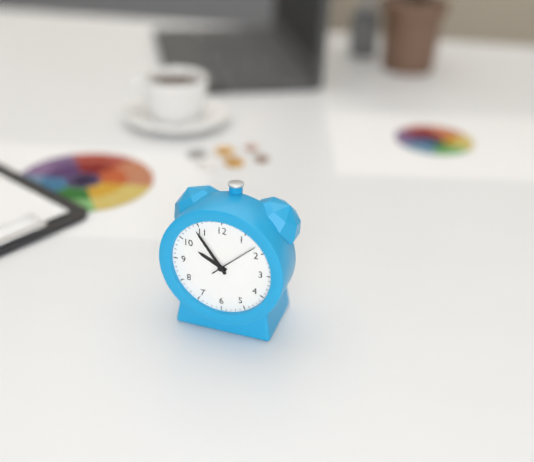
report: 9,54
